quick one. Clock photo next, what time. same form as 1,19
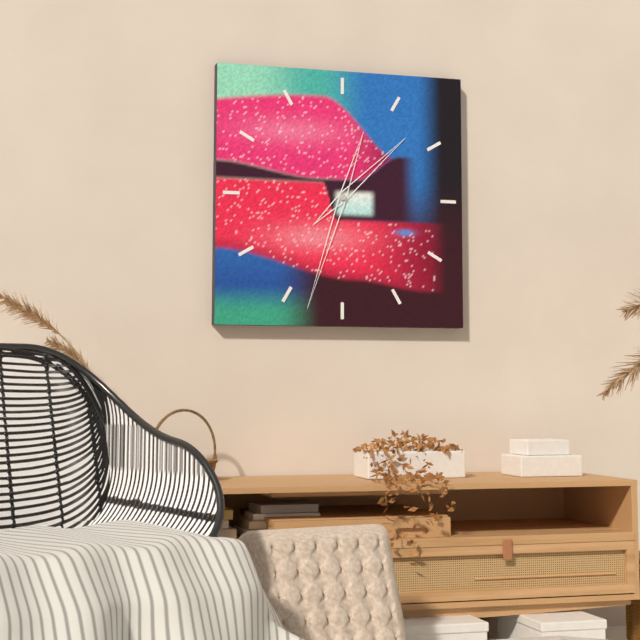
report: 1,33
